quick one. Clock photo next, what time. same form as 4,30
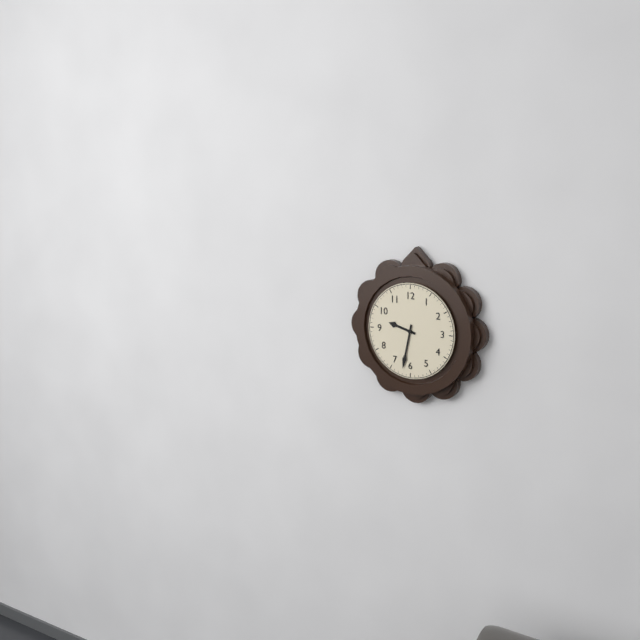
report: 9,32
